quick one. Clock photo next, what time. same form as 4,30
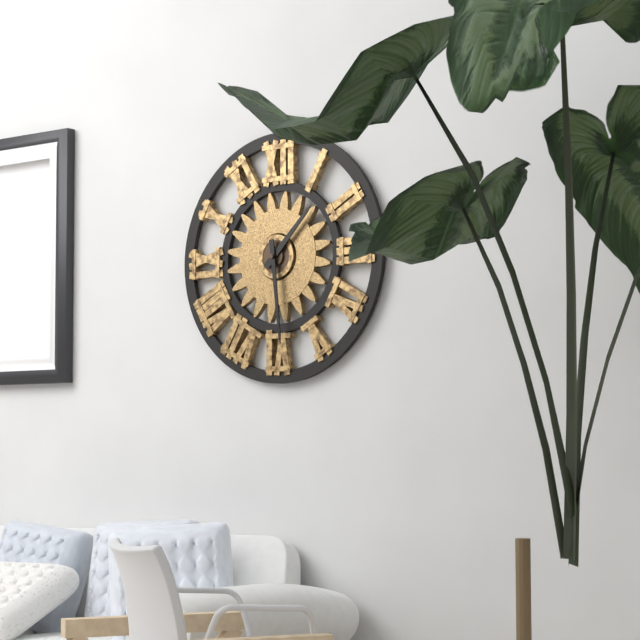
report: 1,29
